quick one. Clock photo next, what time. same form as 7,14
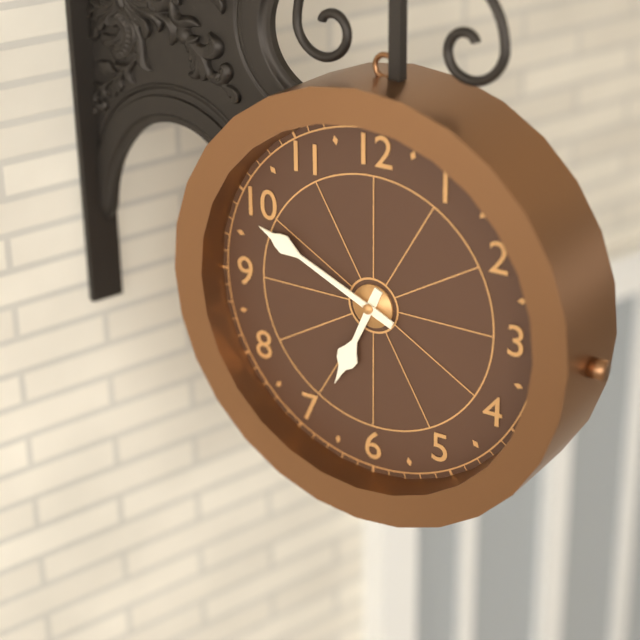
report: 6,49
